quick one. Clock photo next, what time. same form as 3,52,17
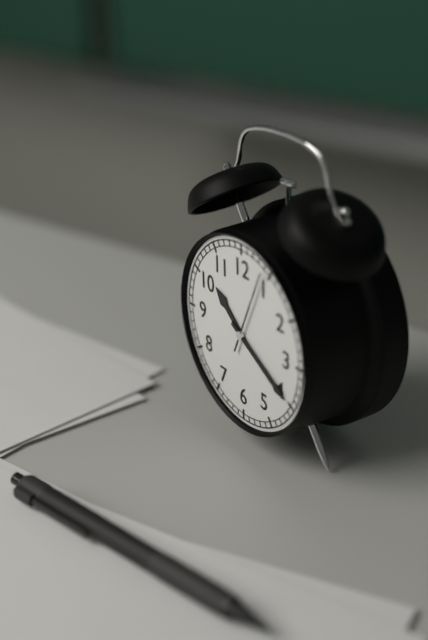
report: 10,20,04
